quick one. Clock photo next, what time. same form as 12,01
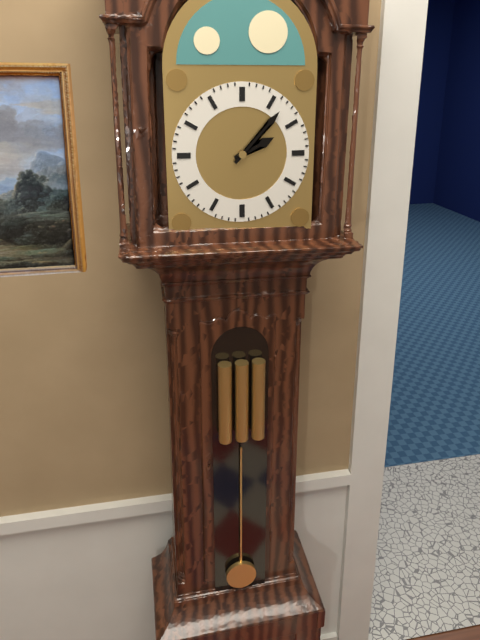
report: 2,07
